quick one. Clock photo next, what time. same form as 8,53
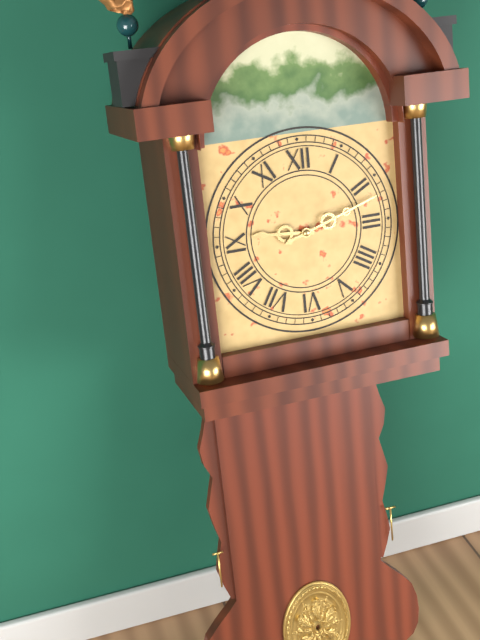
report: 9,12
